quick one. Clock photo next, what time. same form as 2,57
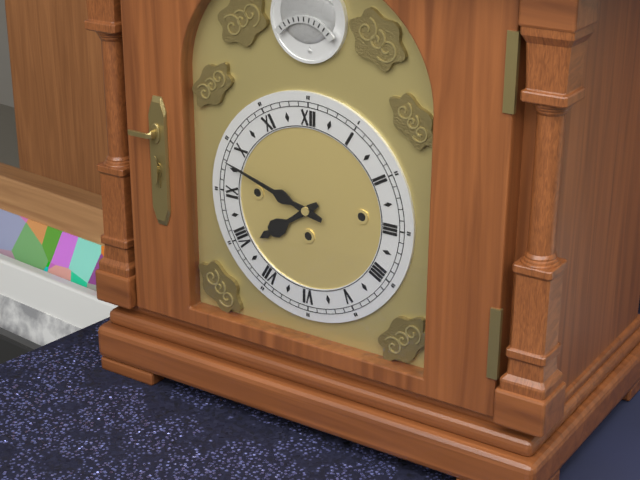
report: 7,48
